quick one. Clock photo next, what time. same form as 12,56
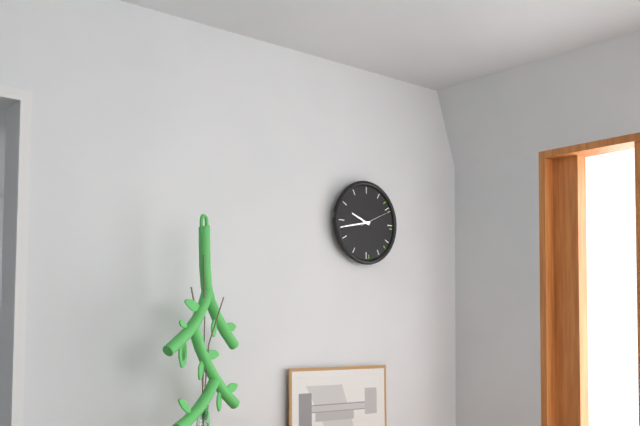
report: 9,43
